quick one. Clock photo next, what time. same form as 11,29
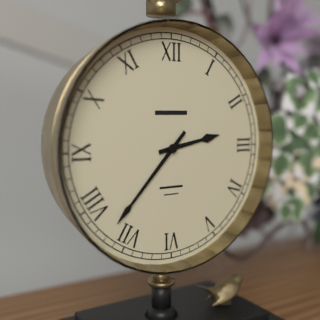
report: 2,37
